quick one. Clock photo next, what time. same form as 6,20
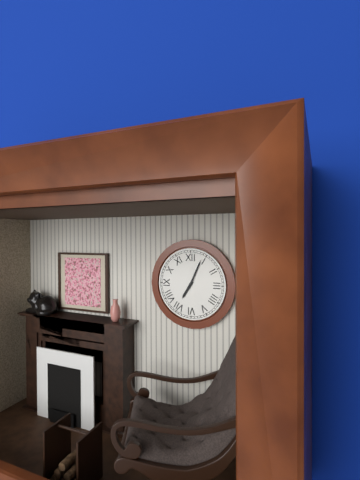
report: 7,04
